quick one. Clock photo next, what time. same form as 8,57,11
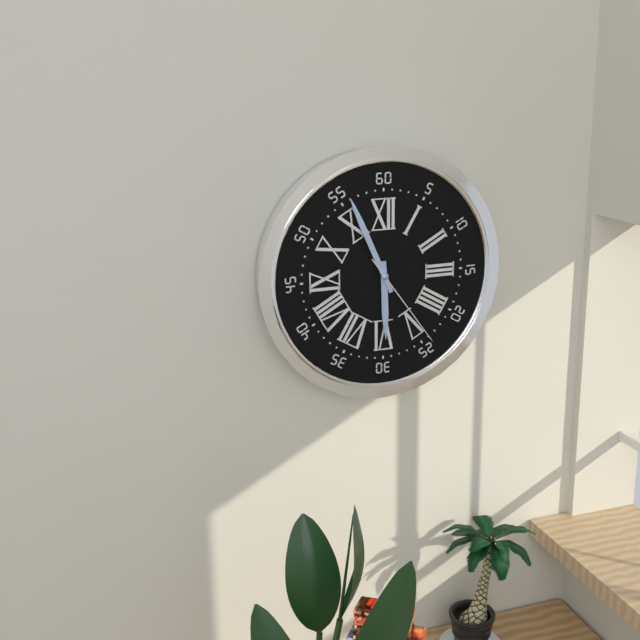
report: 5,56,24
